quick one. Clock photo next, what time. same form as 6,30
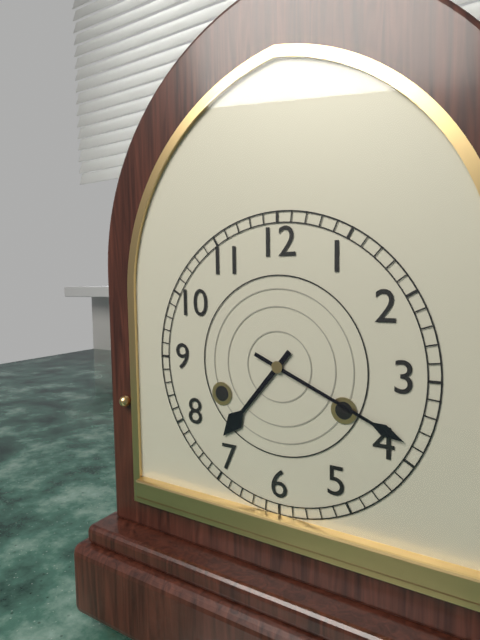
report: 7,19
